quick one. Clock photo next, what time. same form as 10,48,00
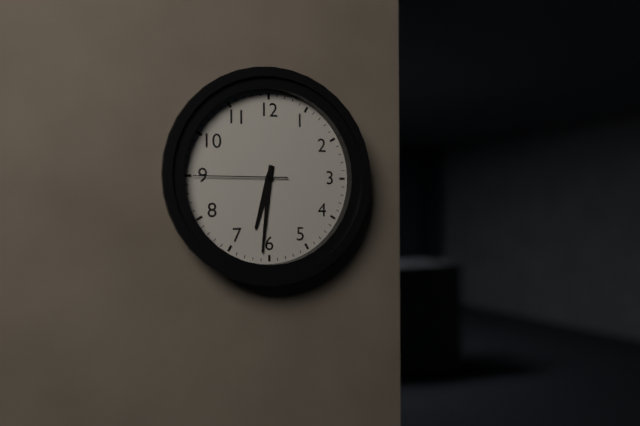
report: 6,31,45
